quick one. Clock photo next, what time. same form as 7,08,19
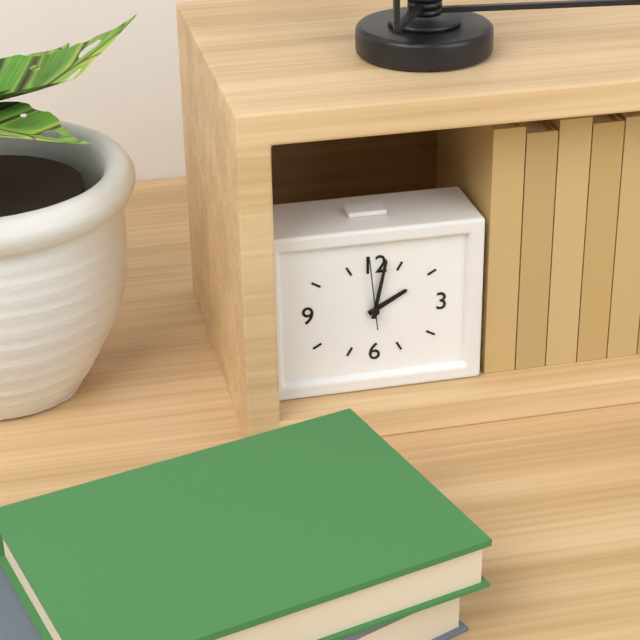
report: 2,02,59
